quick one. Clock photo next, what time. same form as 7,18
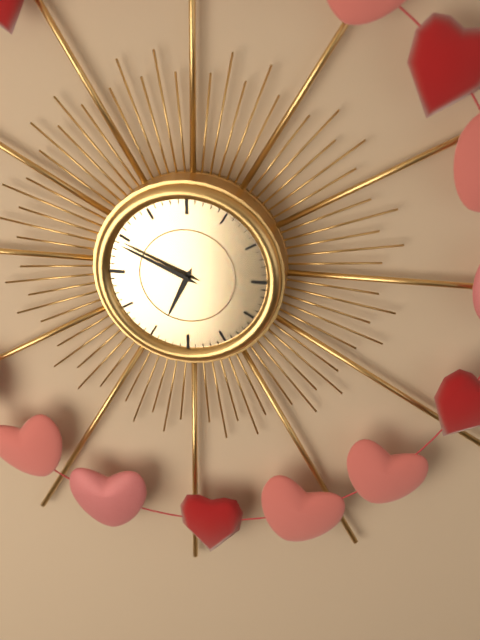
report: 6,49
